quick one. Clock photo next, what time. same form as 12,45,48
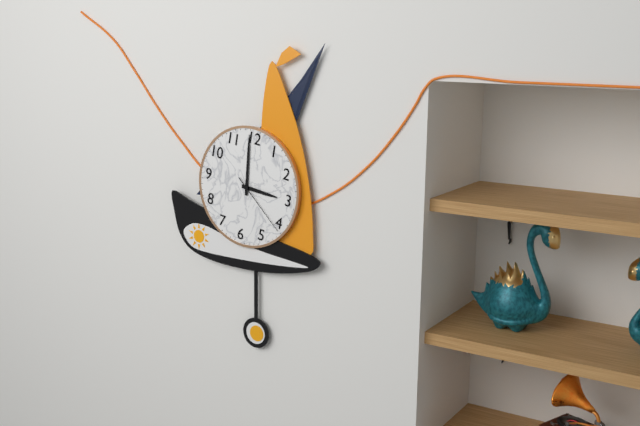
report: 2,59,21
